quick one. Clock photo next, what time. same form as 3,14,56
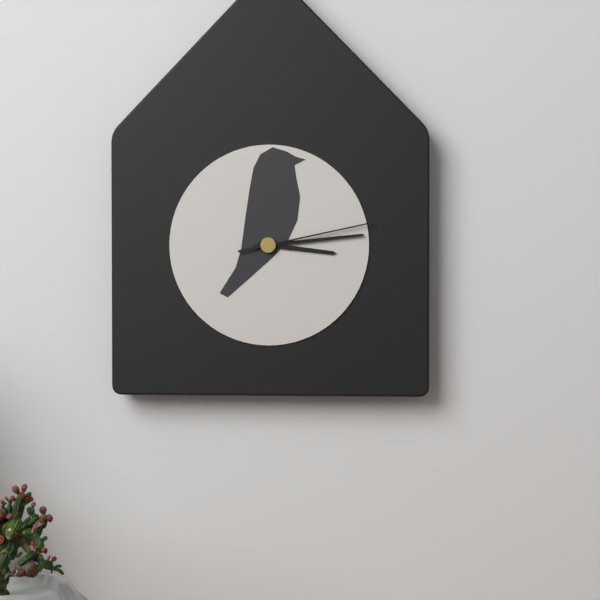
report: 3,14,13
